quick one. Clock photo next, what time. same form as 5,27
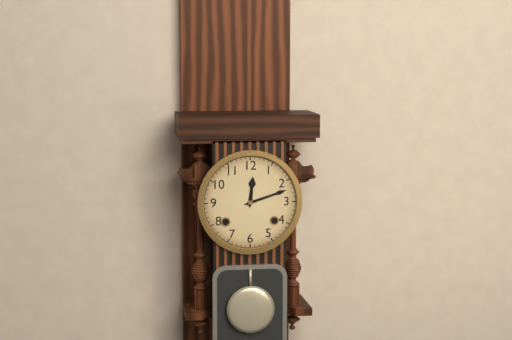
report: 12,12
